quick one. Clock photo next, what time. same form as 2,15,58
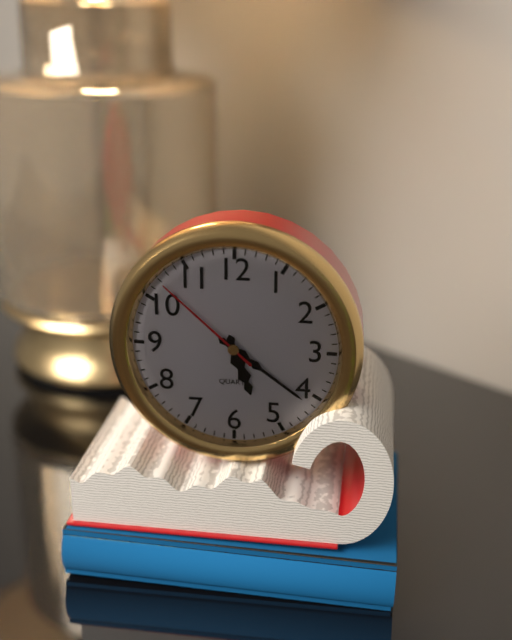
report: 5,21,52
